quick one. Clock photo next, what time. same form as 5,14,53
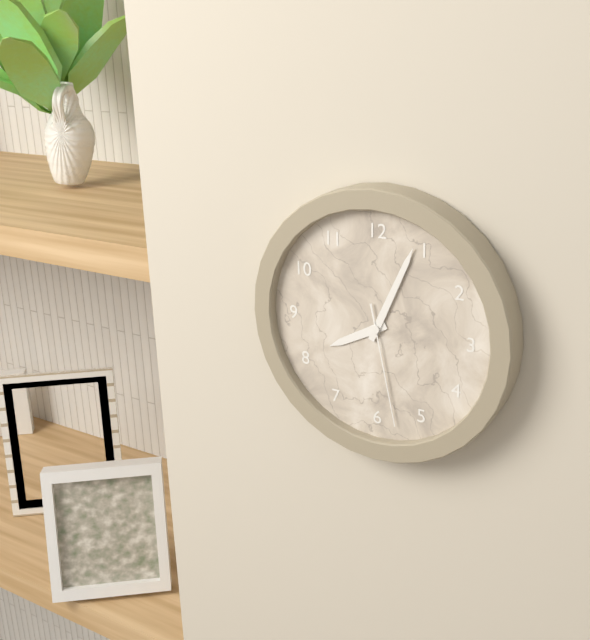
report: 8,04,28
